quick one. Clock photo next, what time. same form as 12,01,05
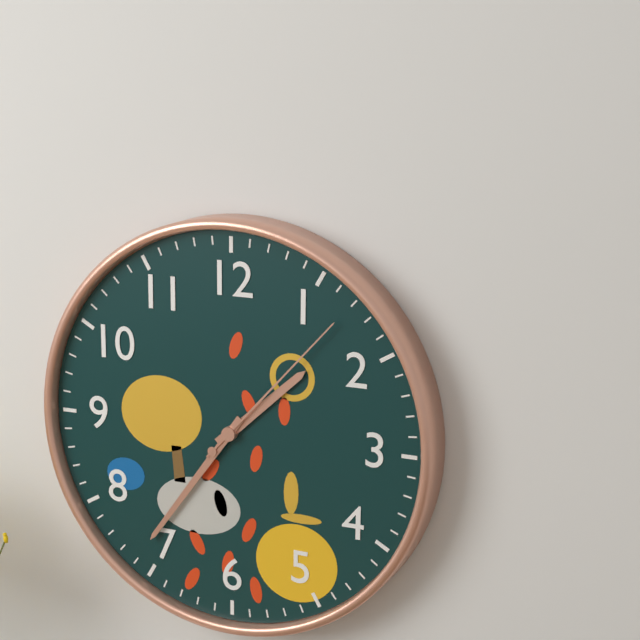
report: 1,36,07
